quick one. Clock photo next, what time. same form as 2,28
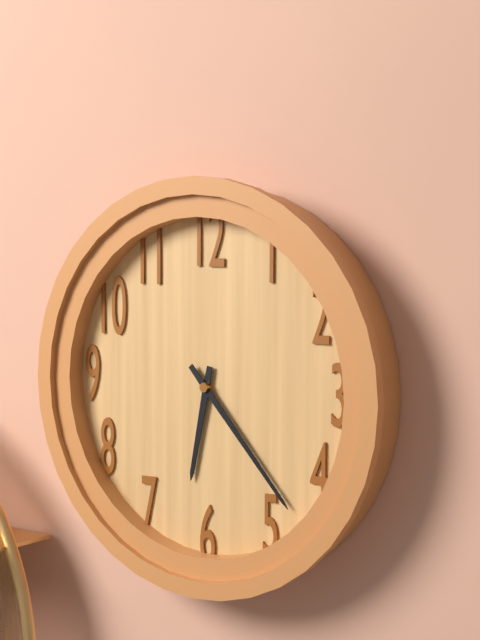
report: 6,23
